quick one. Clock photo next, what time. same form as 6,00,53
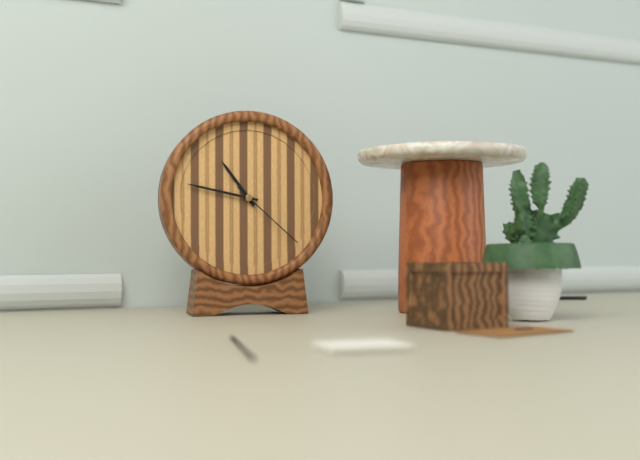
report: 10,47,22
